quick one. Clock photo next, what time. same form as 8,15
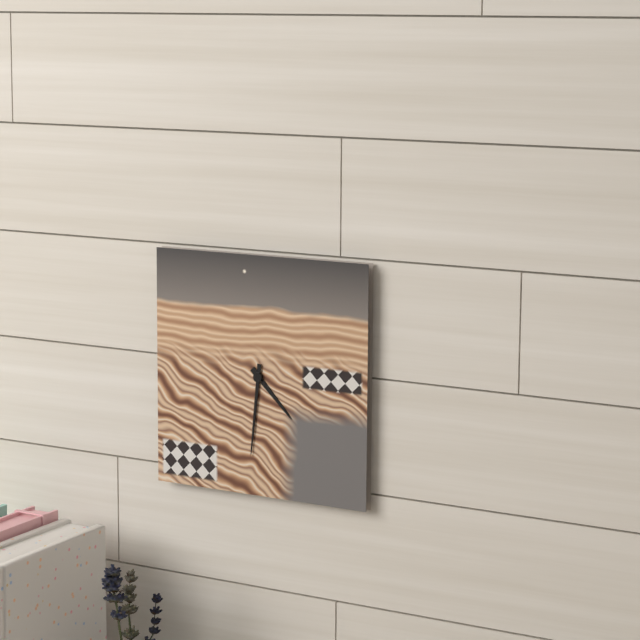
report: 4,31
